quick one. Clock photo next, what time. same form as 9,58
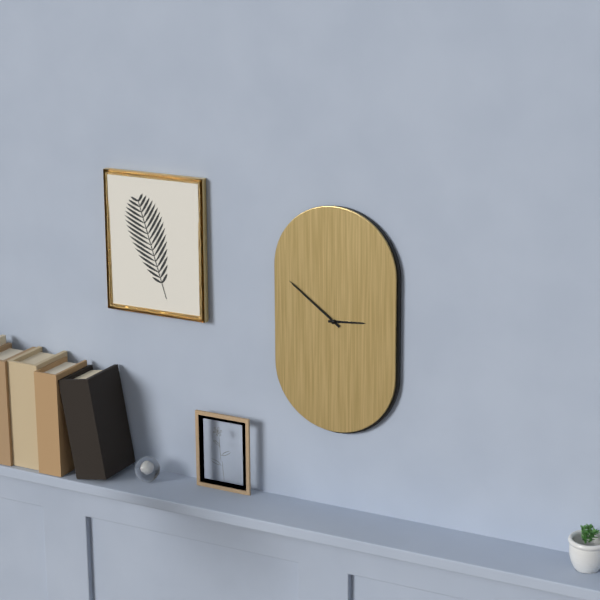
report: 2,51
